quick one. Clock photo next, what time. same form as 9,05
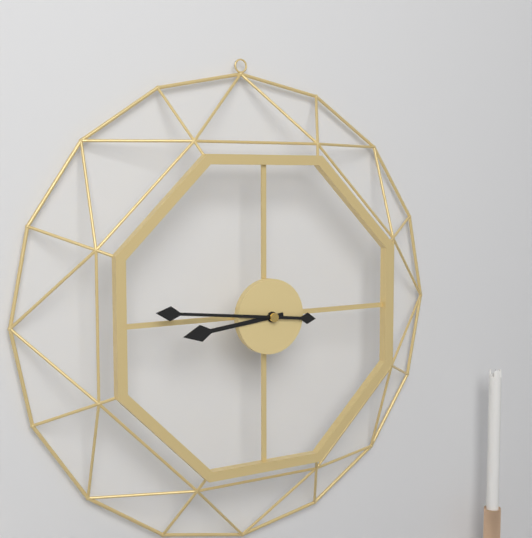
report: 8,46
